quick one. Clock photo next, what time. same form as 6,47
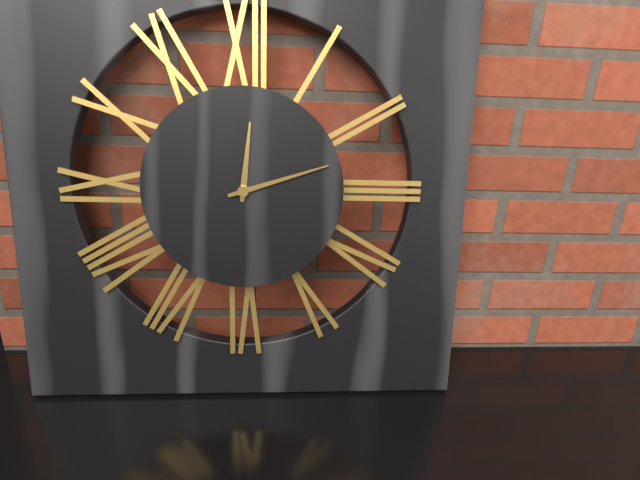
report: 12,12
